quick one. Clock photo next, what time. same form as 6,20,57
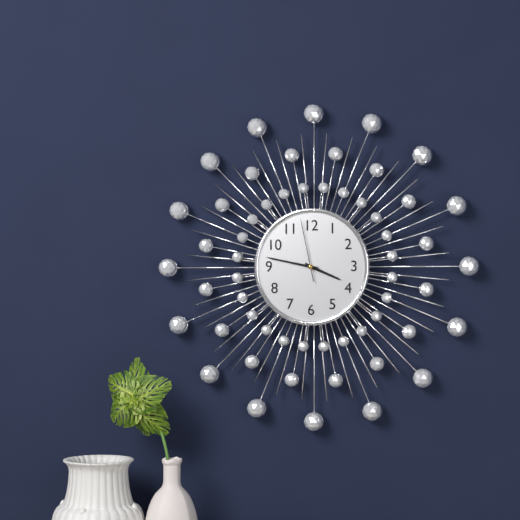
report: 3,47,58
